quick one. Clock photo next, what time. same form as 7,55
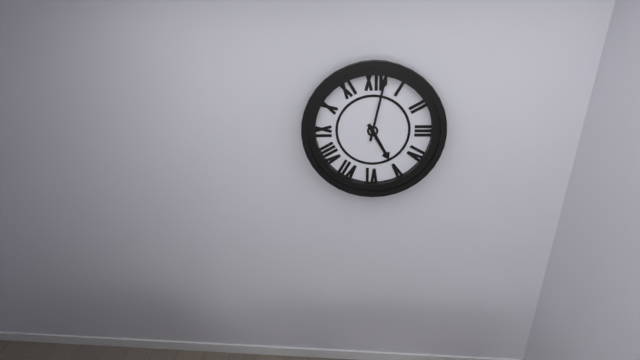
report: 5,02
